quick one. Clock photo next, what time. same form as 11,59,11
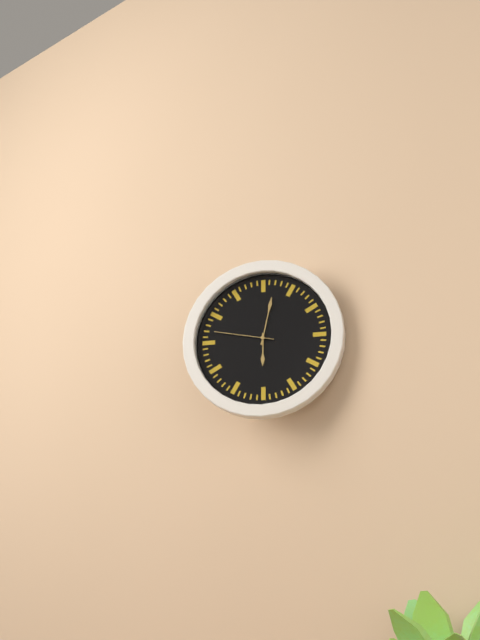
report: 6,02,47
